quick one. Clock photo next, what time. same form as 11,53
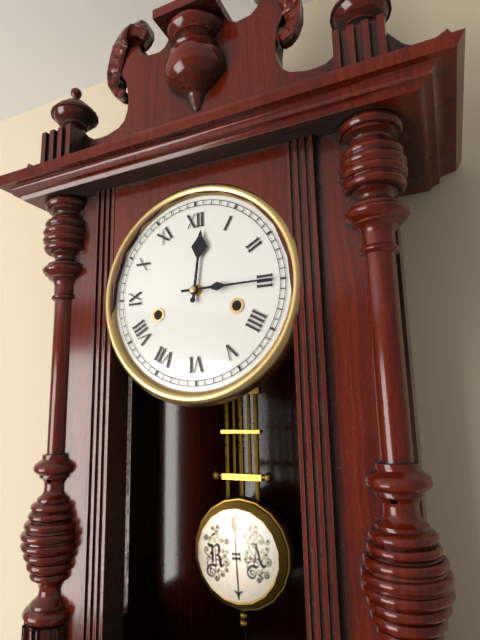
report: 12,15
